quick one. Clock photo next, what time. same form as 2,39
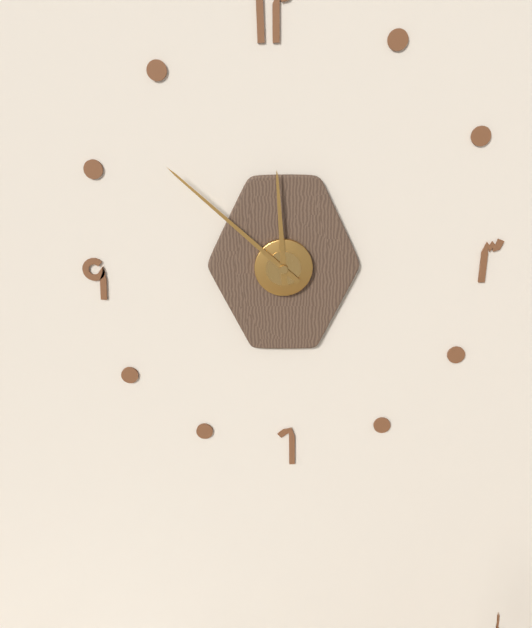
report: 11,52
